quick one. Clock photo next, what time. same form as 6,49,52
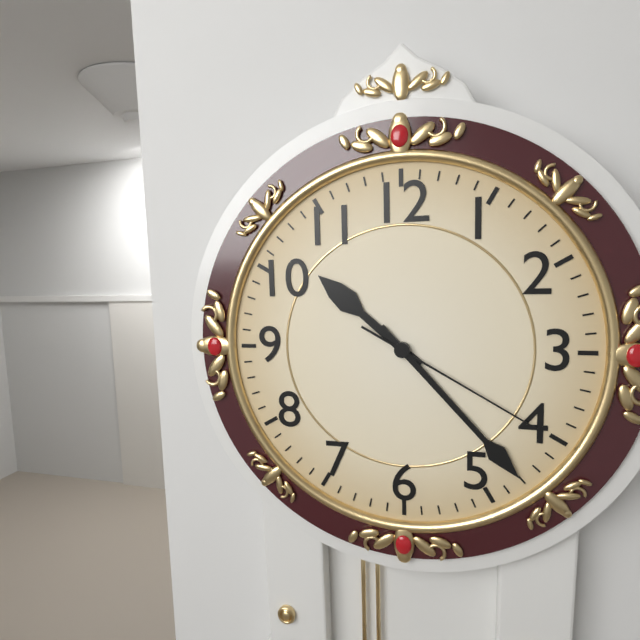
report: 10,23,20
